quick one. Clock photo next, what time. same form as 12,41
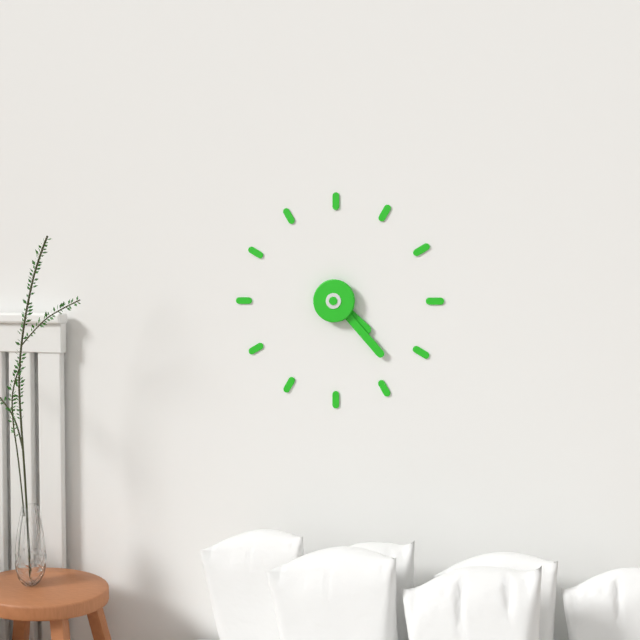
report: 4,23
